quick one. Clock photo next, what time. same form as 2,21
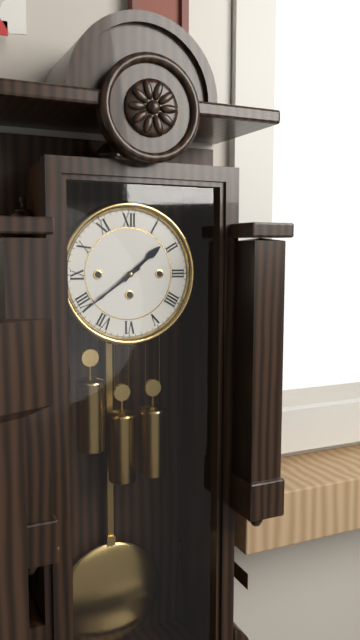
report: 1,39
